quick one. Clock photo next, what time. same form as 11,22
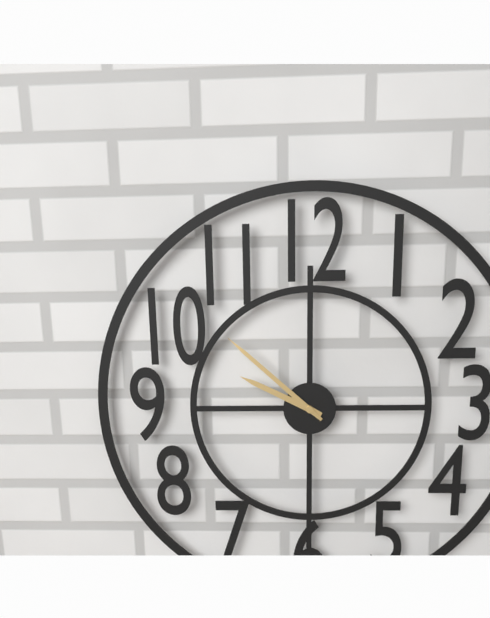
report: 9,52
